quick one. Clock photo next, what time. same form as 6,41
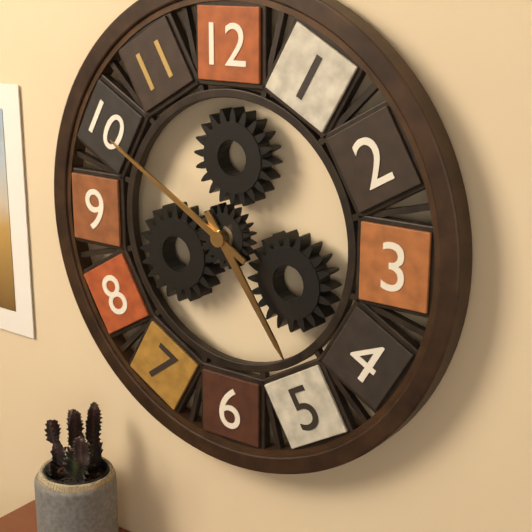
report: 4,50
